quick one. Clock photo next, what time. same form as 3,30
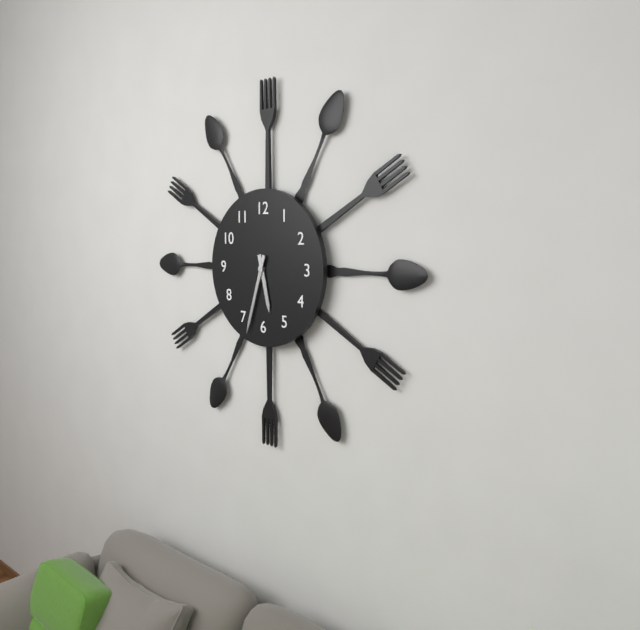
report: 5,33
